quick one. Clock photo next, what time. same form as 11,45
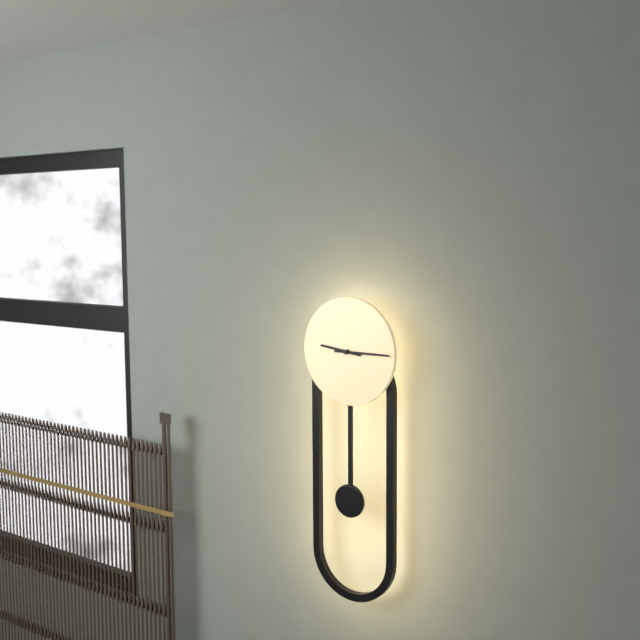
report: 9,15
